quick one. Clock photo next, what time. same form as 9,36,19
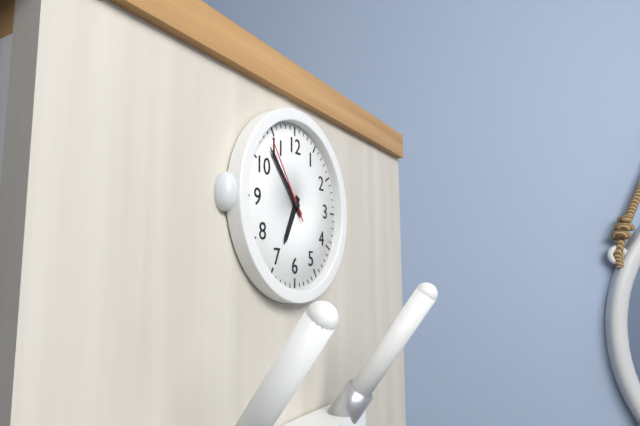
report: 6,53,54
